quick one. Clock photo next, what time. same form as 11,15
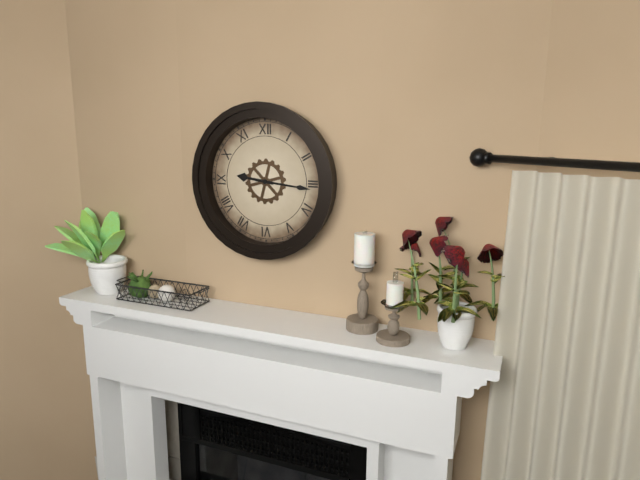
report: 9,16
